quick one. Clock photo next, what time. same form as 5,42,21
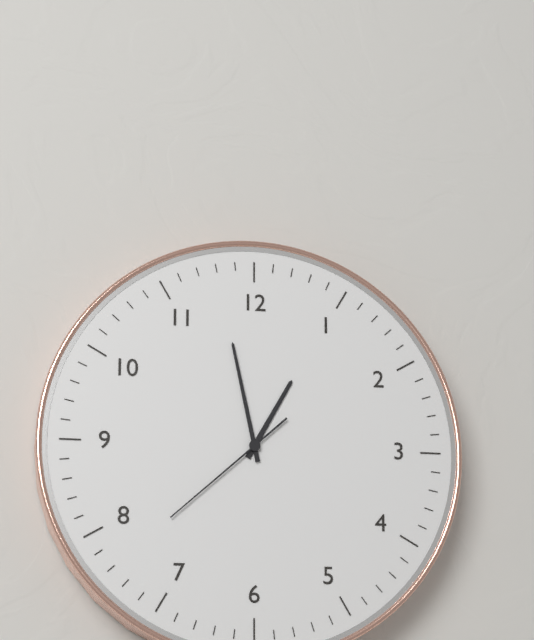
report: 12,58,38
